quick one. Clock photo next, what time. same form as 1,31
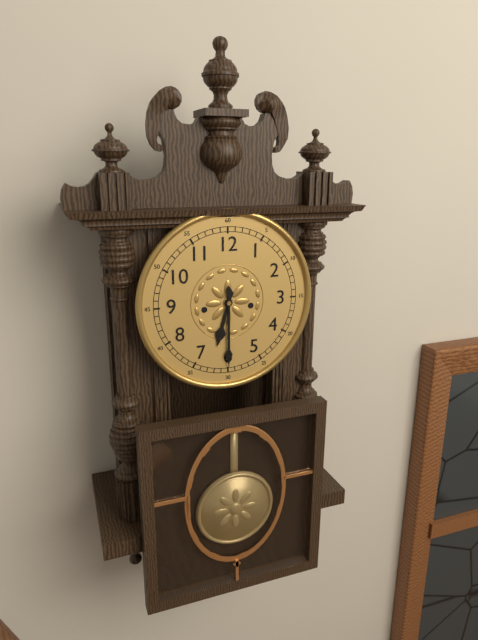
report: 6,30
